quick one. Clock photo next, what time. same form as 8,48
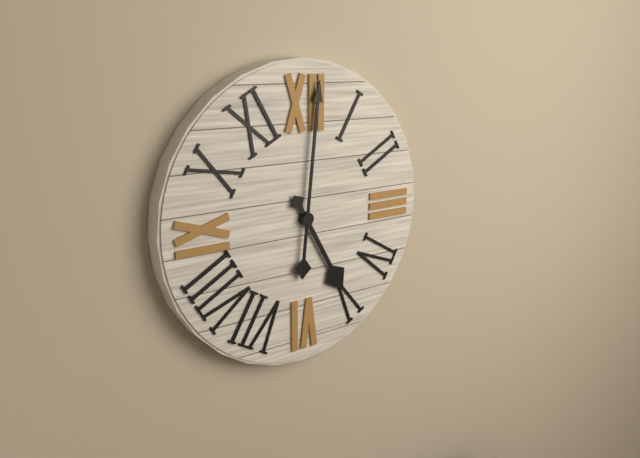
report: 5,01
